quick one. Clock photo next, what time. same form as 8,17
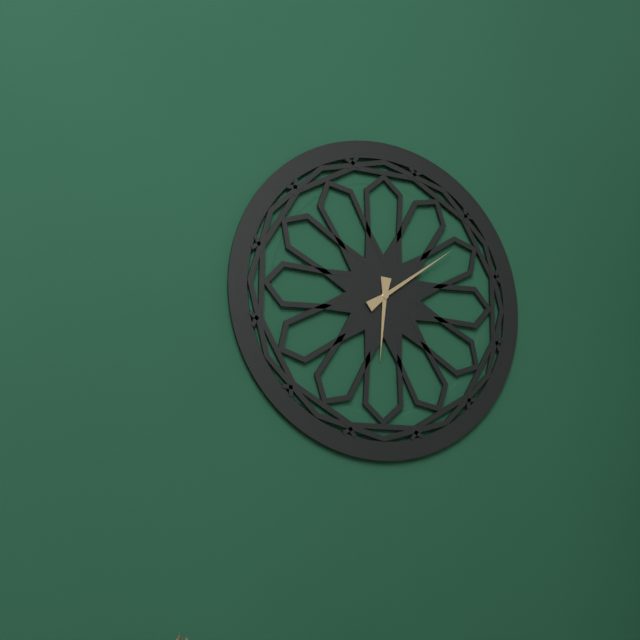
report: 6,09
